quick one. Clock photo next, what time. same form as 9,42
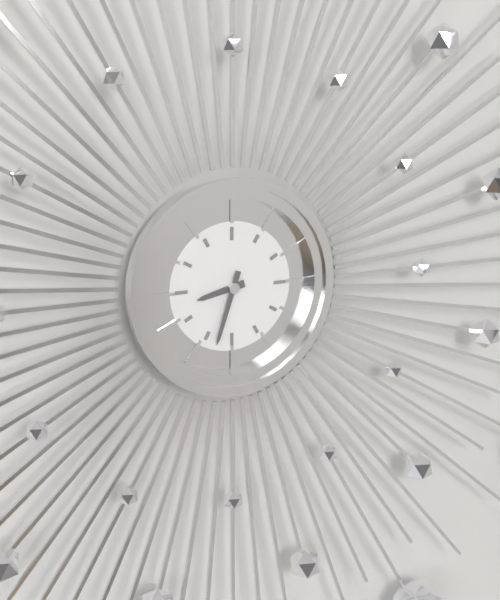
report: 8,33
